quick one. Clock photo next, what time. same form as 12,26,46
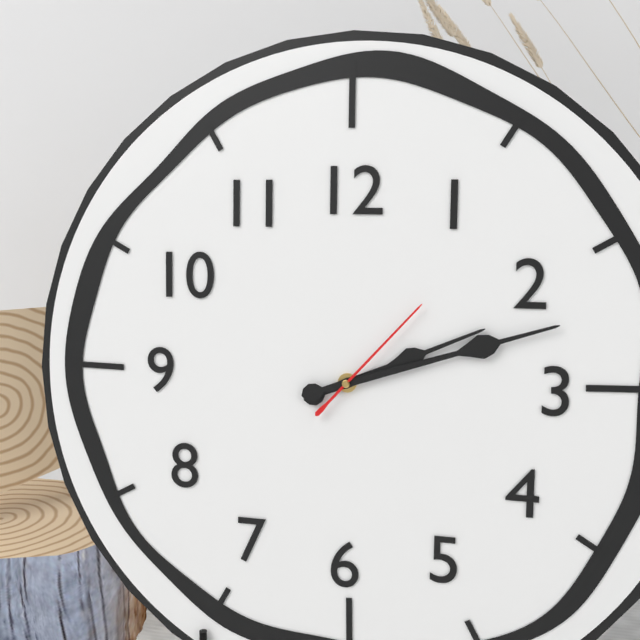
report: 2,12,07
